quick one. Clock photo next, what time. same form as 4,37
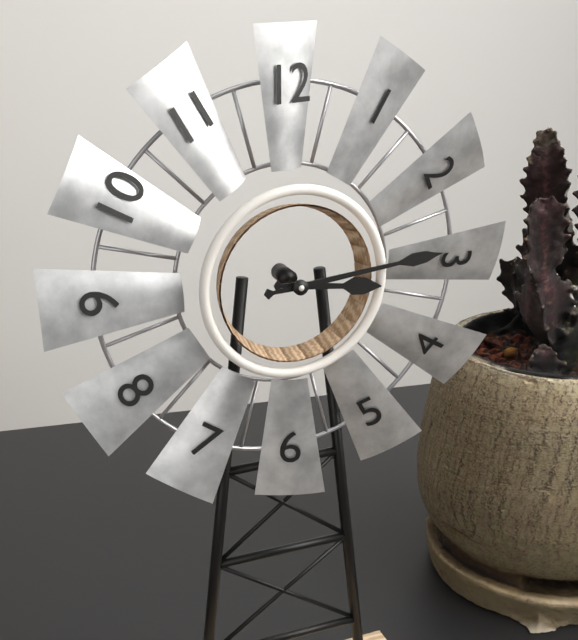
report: 3,14
